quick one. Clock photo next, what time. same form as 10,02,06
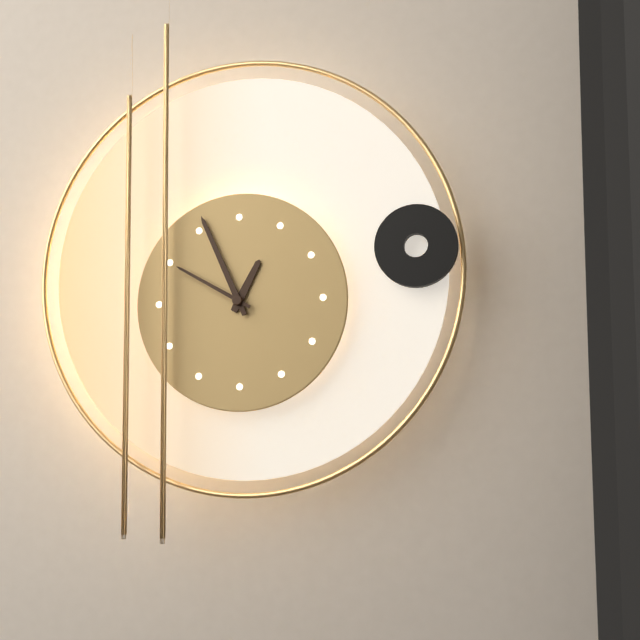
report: 12,56,50
